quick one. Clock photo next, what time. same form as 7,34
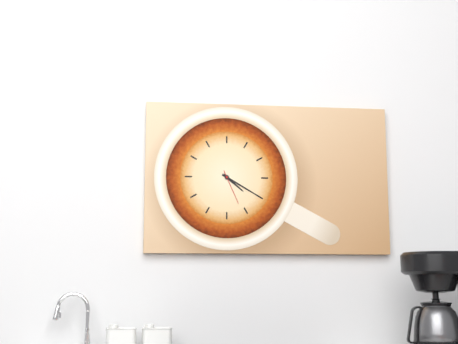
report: 4,20
